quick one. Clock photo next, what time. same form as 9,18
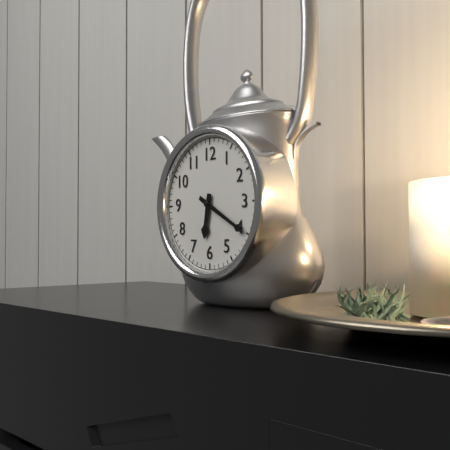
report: 6,20
